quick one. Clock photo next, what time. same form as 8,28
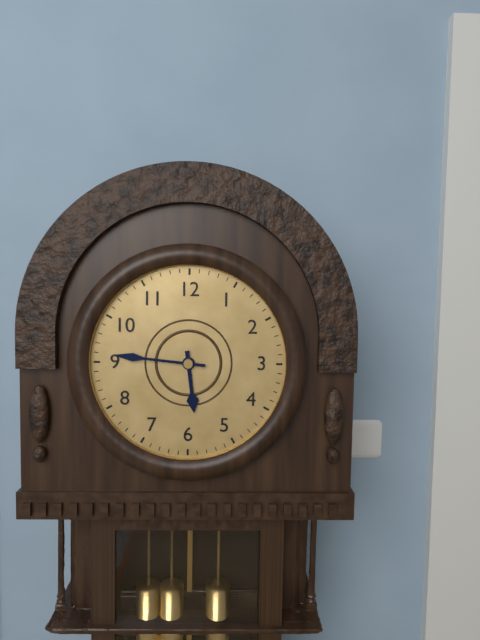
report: 5,46
